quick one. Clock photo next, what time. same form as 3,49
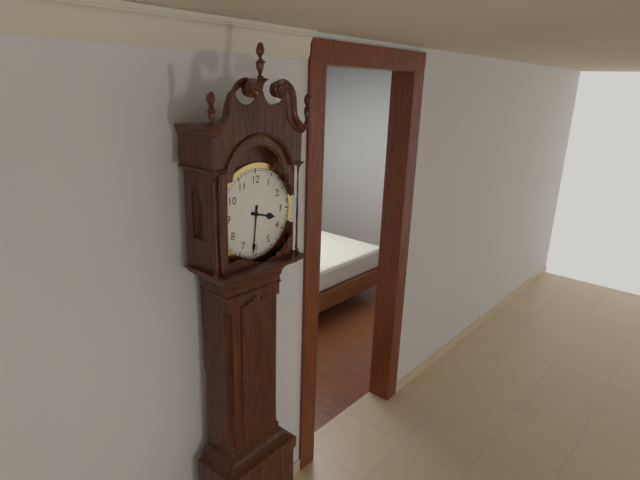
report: 3,31
